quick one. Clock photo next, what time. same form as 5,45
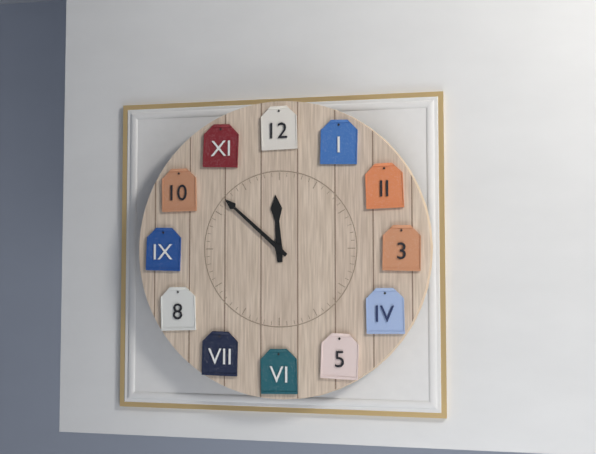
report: 11,52
